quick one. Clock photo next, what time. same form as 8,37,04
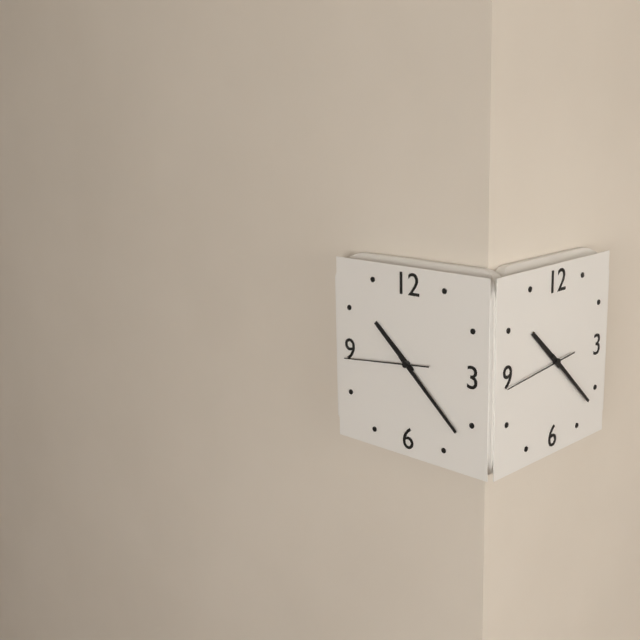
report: 10,22,44
